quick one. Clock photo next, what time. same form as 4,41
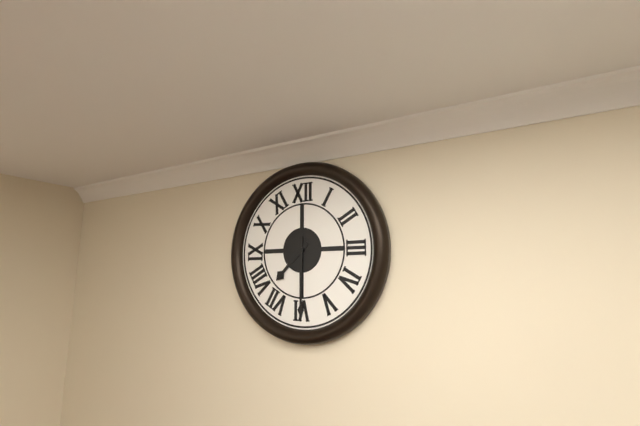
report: 7,30
